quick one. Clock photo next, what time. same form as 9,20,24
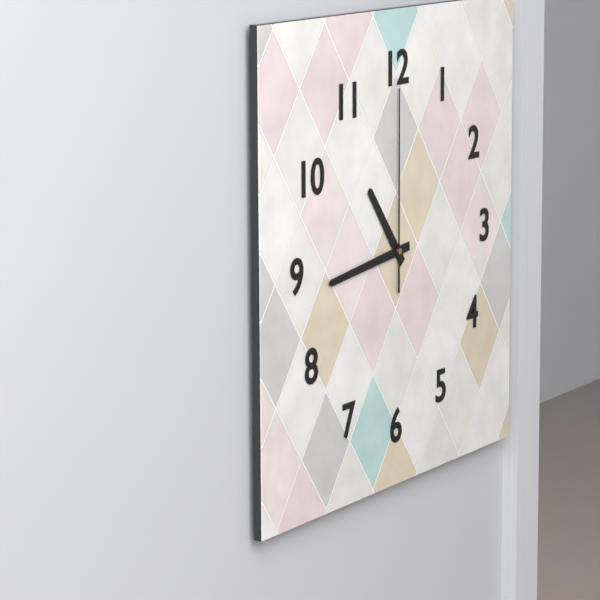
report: 10,44,00
